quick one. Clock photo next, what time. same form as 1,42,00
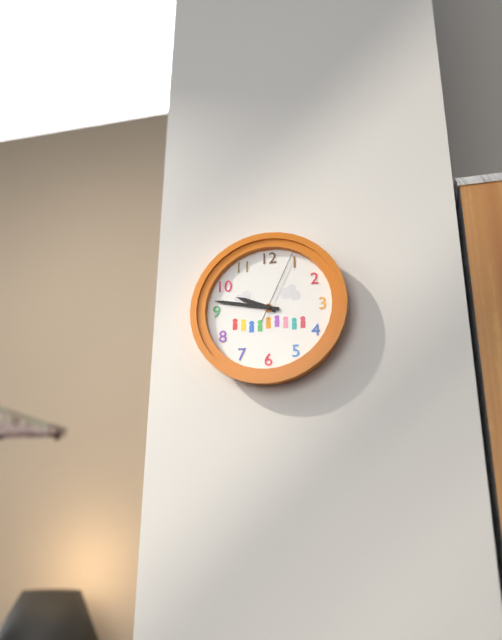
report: 9,47,04
